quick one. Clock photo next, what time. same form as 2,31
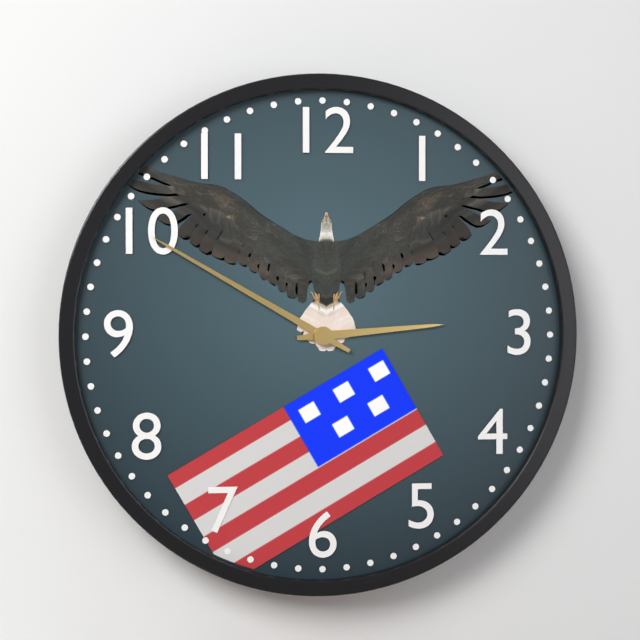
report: 2,50
